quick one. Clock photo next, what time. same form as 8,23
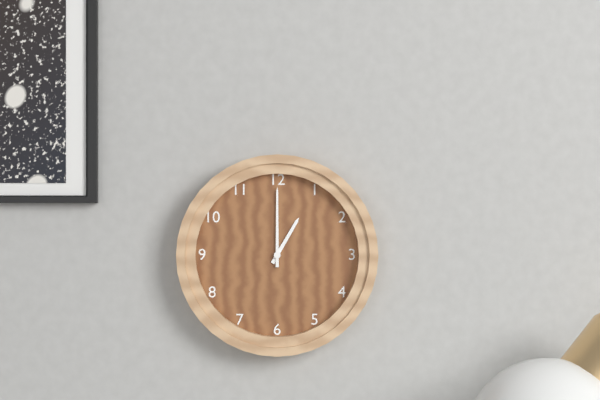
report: 1,00
